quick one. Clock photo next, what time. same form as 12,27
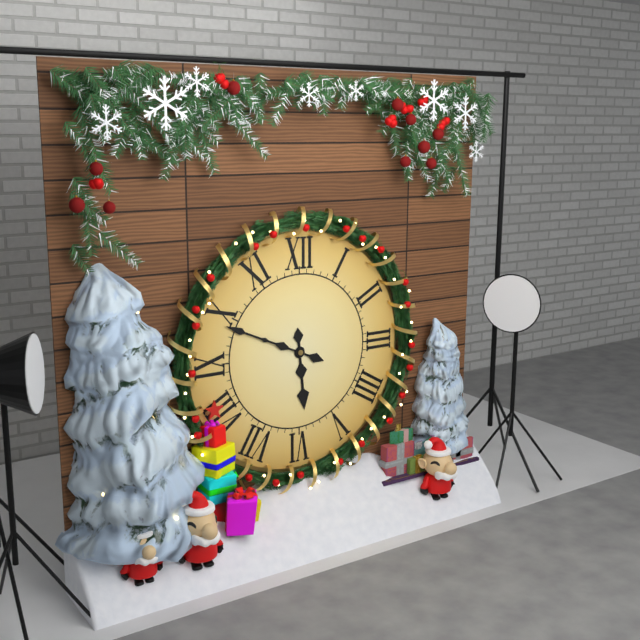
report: 5,49
